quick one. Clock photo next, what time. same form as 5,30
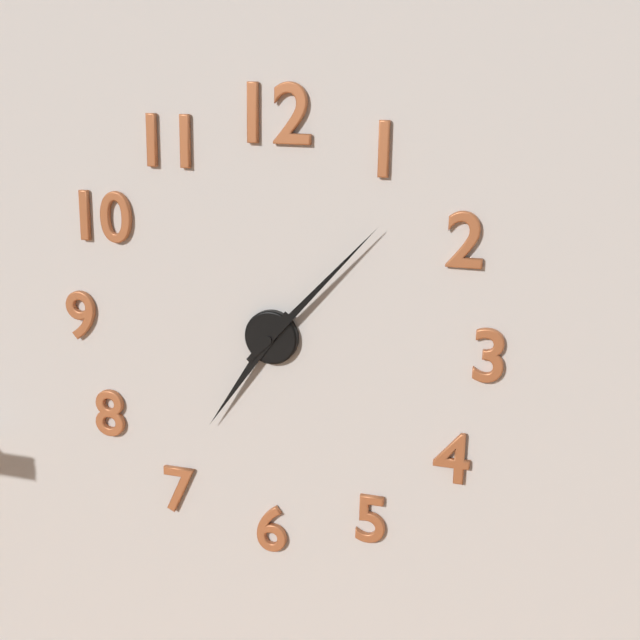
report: 7,07
